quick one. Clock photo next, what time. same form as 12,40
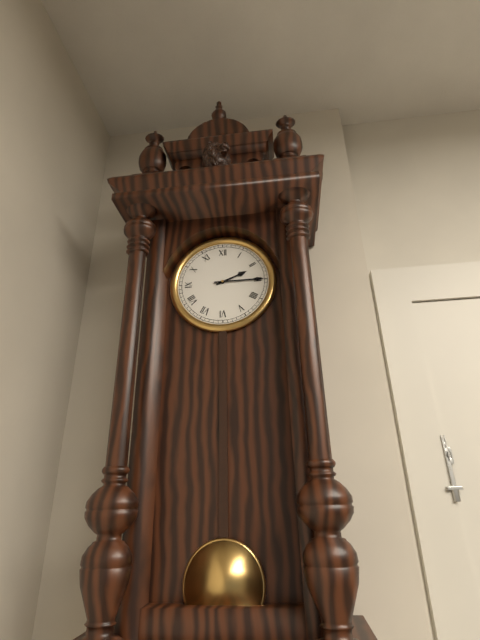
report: 2,15
